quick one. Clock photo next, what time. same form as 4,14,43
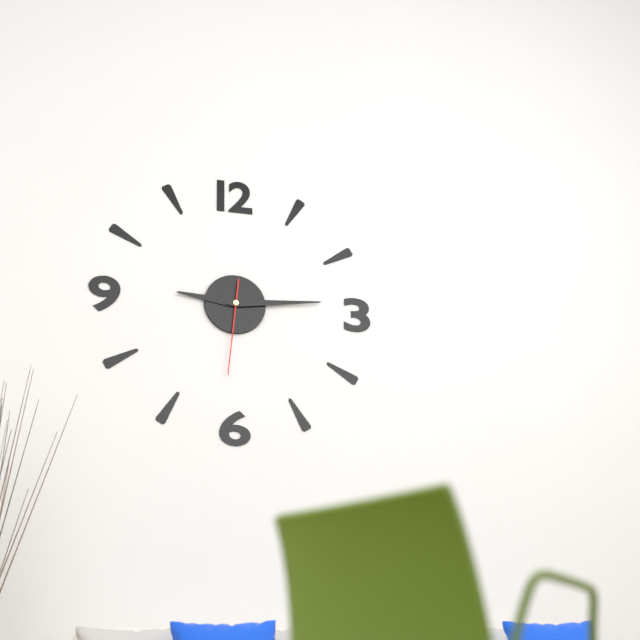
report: 9,14,31
